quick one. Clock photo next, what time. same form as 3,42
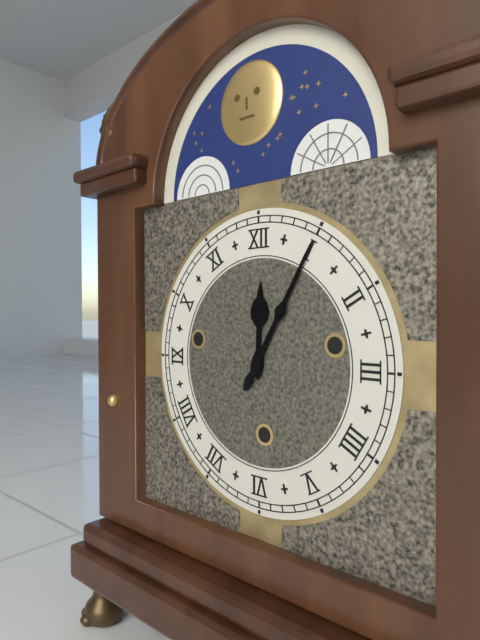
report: 12,05
